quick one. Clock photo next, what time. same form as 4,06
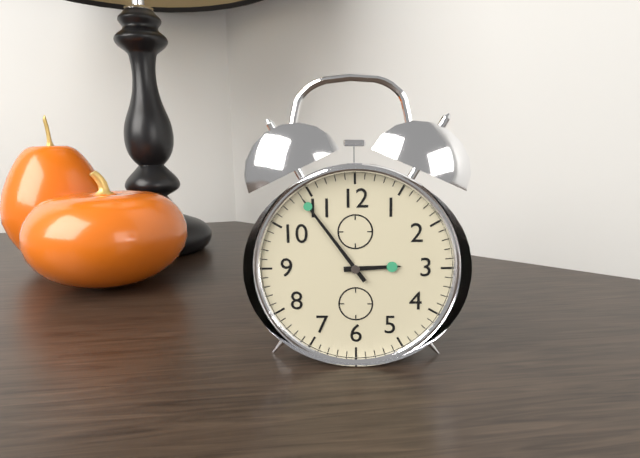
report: 2,54
